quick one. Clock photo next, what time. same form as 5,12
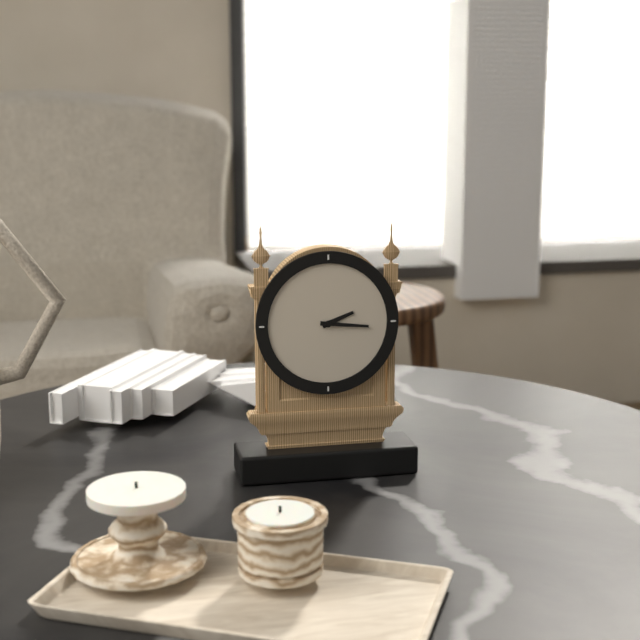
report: 2,16
